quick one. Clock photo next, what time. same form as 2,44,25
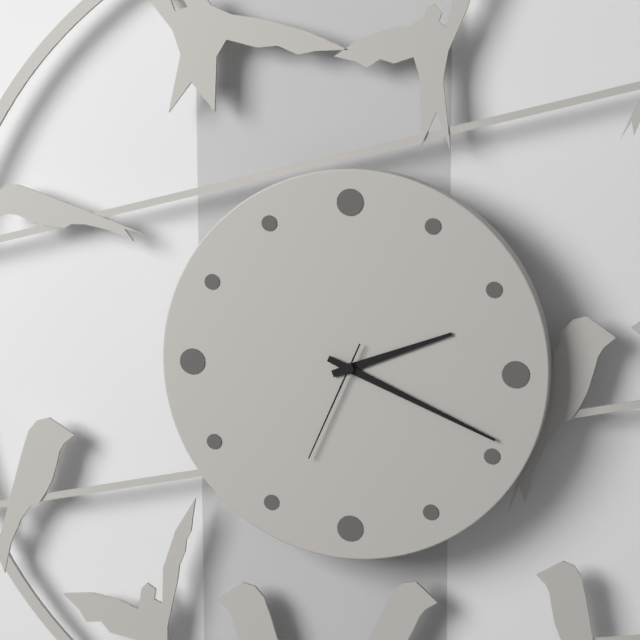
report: 2,19,34
